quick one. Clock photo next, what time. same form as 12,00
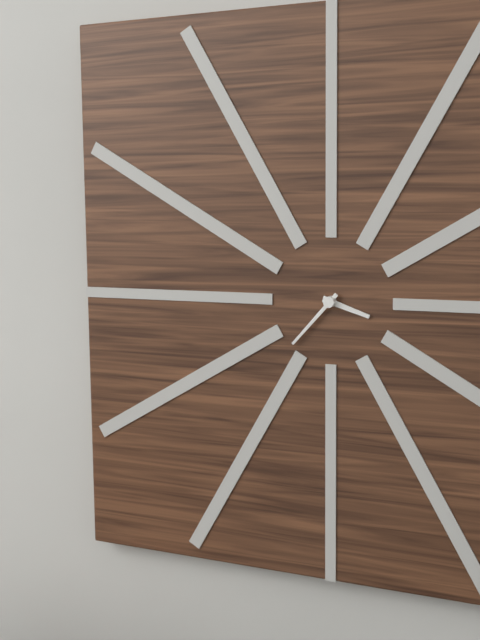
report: 3,37
